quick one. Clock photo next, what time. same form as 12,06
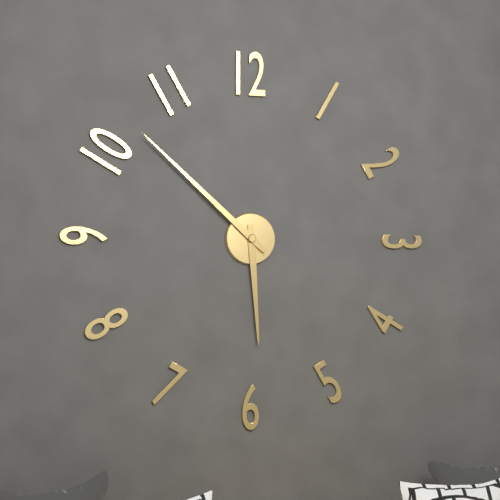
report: 5,52
